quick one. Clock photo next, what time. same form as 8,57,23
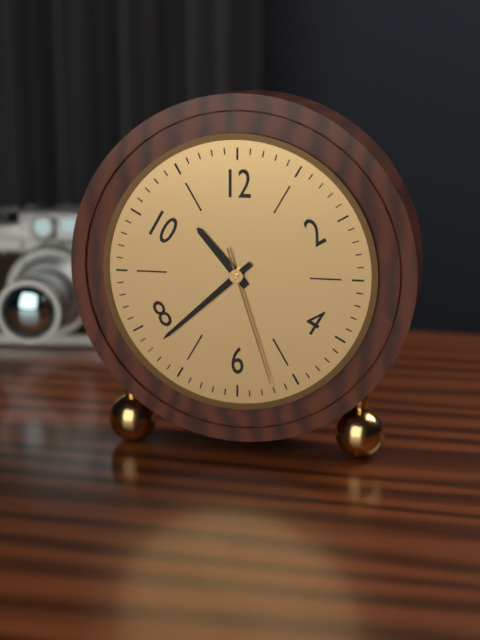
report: 10,38,27
